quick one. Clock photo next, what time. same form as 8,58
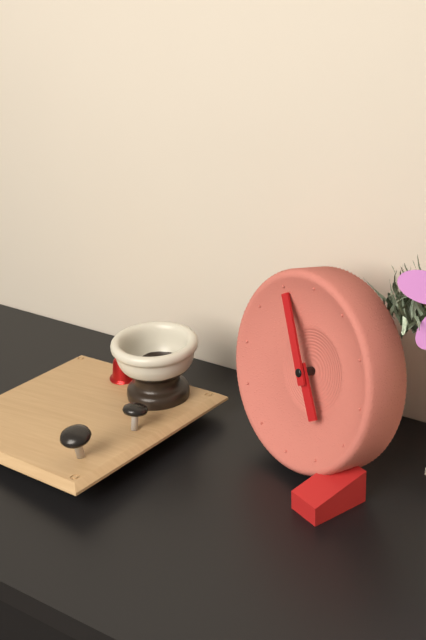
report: 4,55
